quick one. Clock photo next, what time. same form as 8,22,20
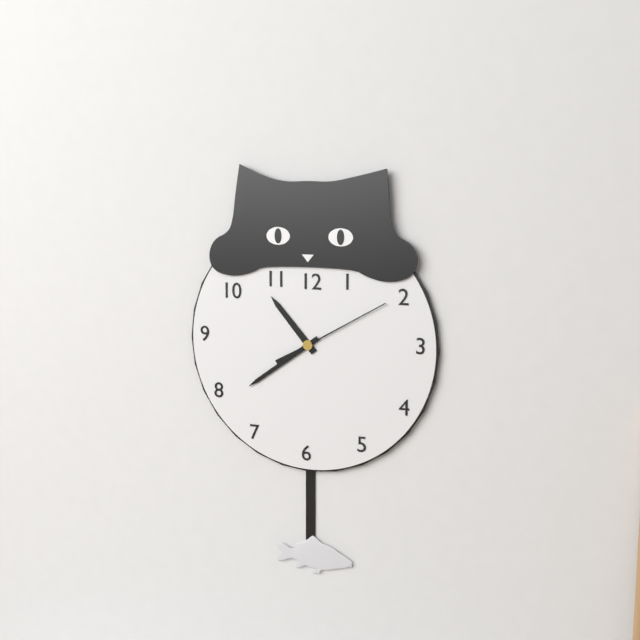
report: 10,39,10
